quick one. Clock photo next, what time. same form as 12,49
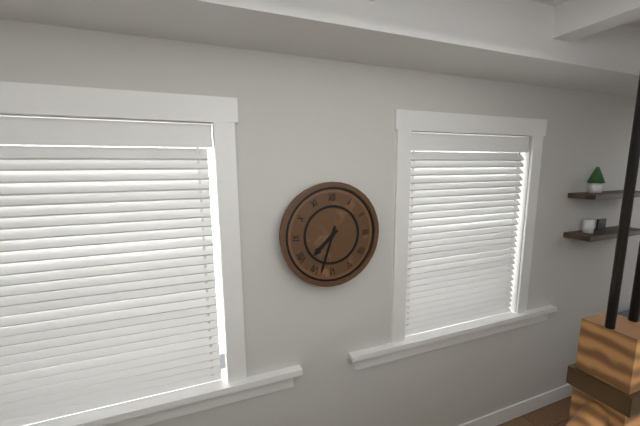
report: 7,33
